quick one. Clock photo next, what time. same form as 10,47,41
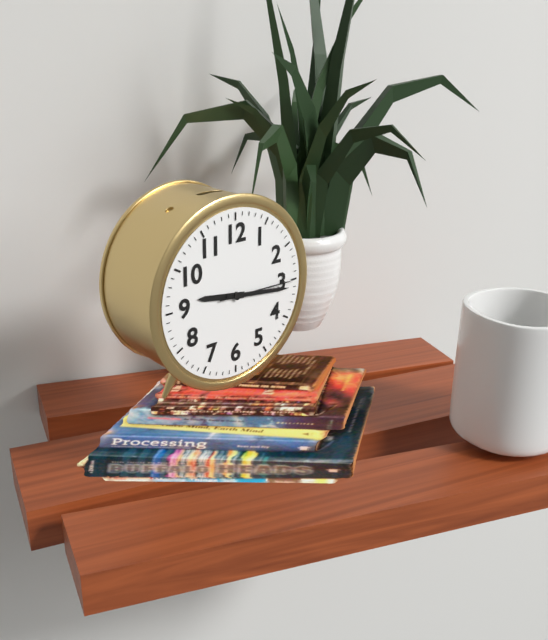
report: 9,16,15
